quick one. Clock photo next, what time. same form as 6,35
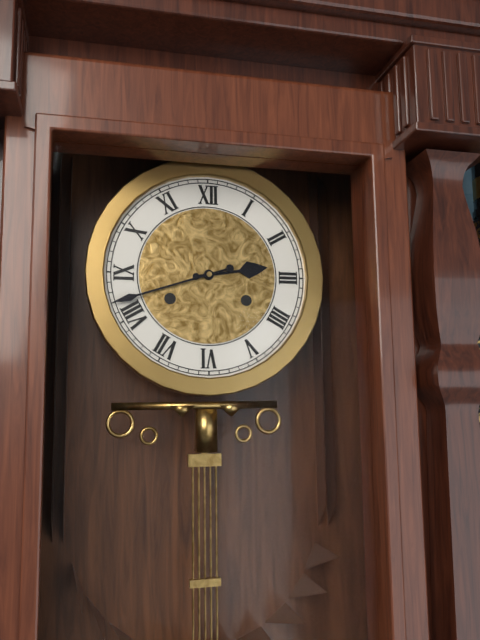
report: 2,42
